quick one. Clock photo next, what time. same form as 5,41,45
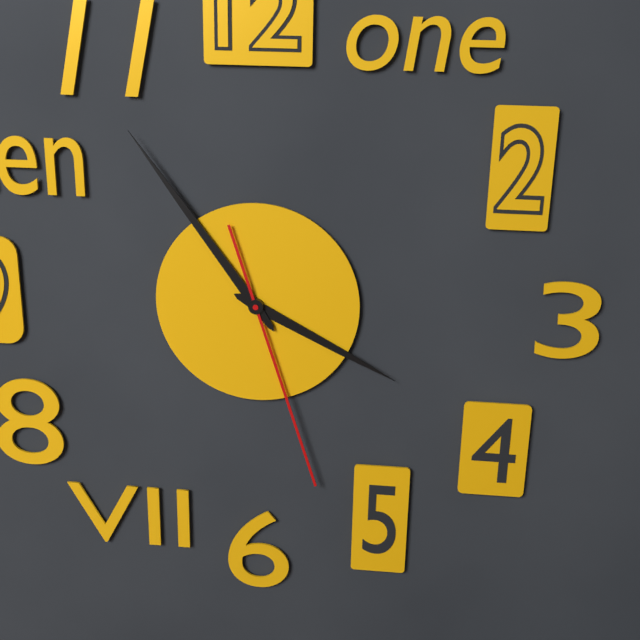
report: 3,54,27
